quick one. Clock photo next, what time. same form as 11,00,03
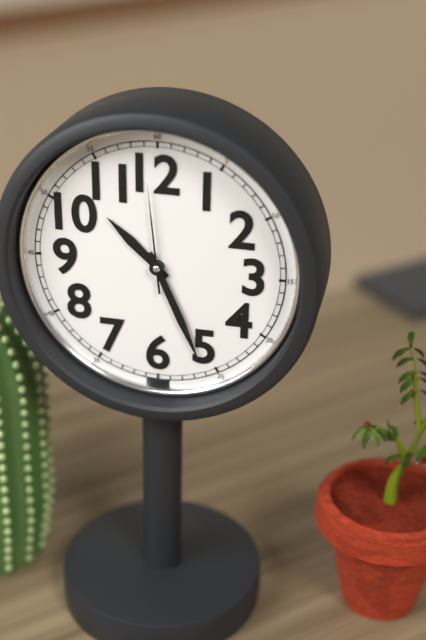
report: 10,26,59
